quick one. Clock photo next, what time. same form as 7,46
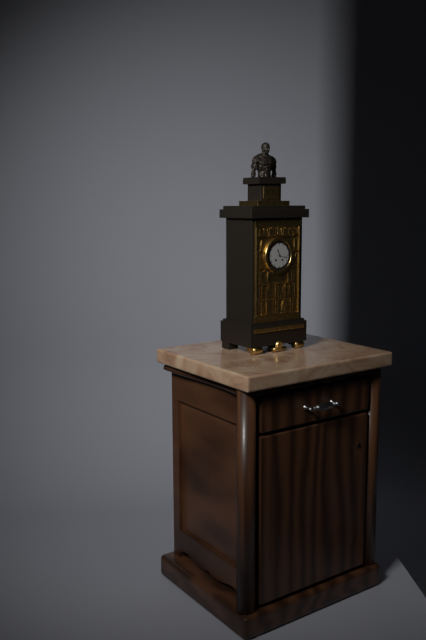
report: 11,17
